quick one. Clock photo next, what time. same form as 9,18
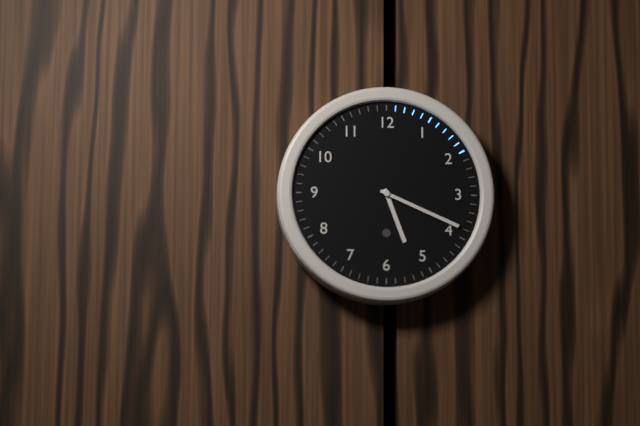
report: 5,19
